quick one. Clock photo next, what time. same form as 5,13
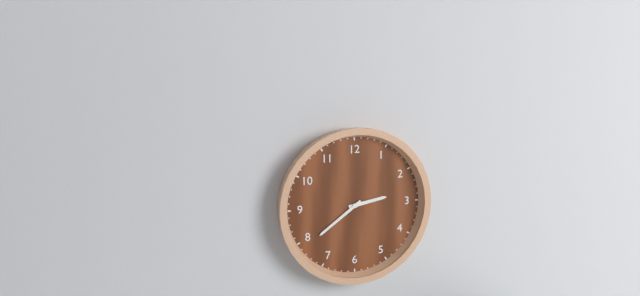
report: 2,39
